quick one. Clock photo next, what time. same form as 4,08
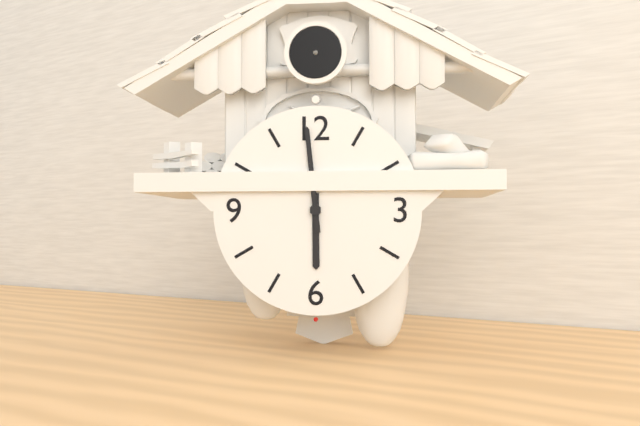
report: 5,59
